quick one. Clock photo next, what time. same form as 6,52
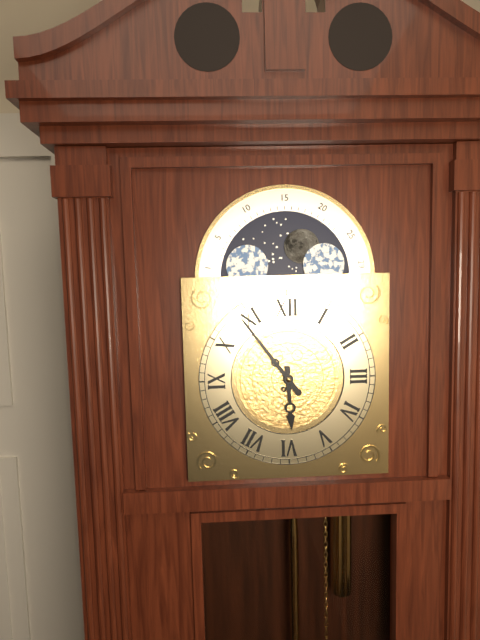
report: 5,54
